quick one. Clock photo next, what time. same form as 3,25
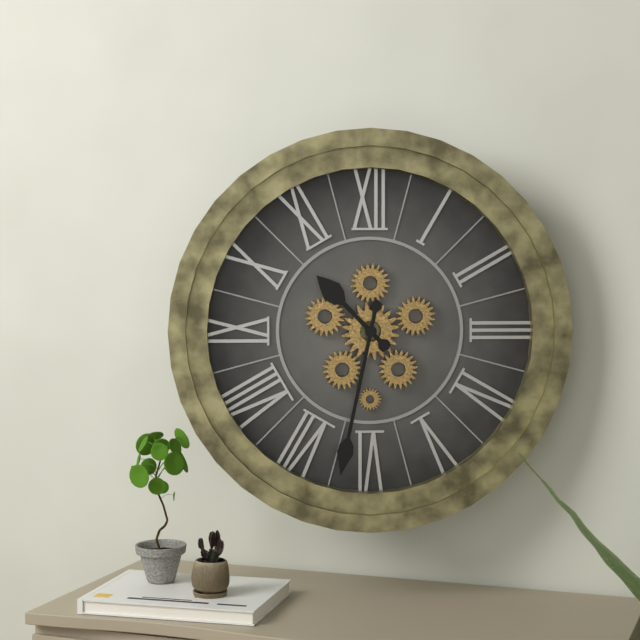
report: 10,32
